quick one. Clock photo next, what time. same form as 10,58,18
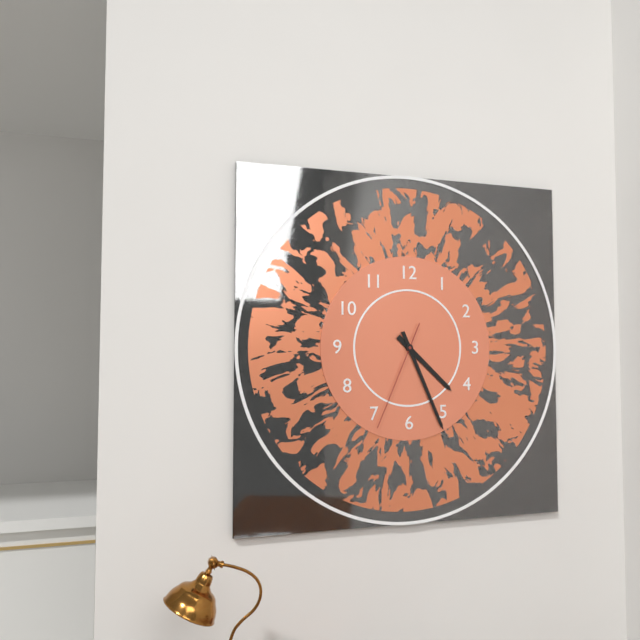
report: 4,26,34
